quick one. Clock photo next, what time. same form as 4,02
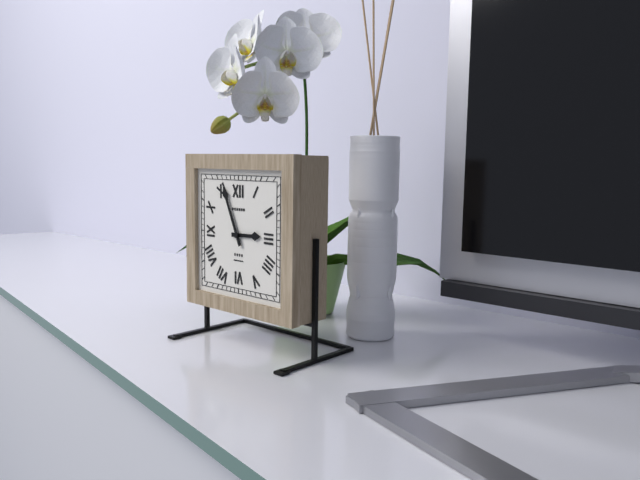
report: 2,56
